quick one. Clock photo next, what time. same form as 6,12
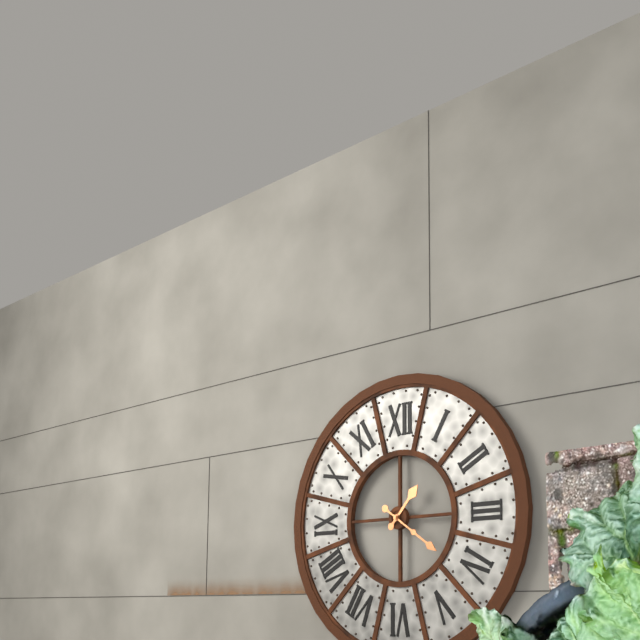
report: 1,21
